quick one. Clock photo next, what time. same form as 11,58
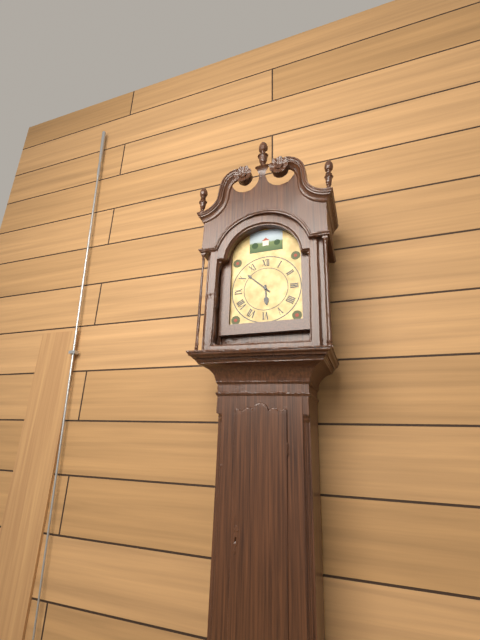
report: 5,52
